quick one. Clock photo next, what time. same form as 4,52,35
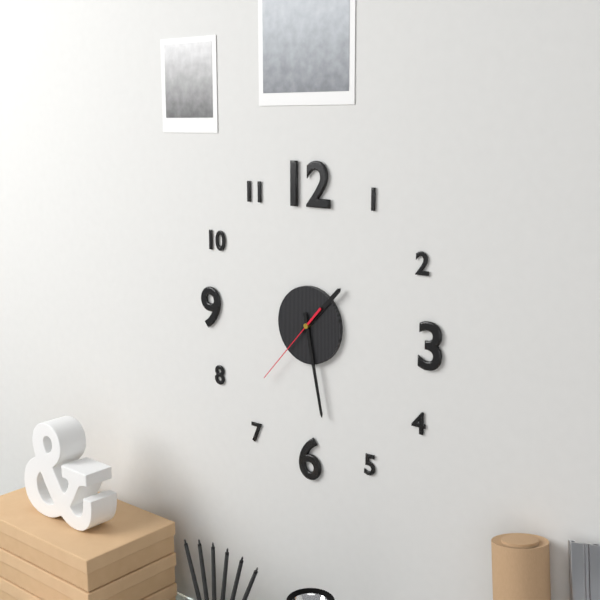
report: 1,28,37
